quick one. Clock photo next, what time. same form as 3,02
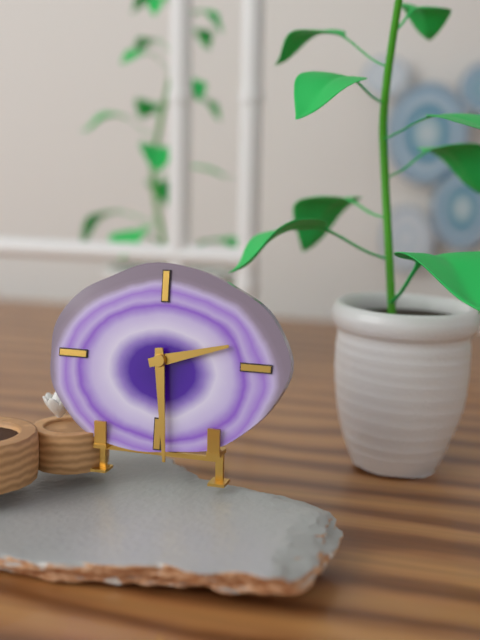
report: 2,29
